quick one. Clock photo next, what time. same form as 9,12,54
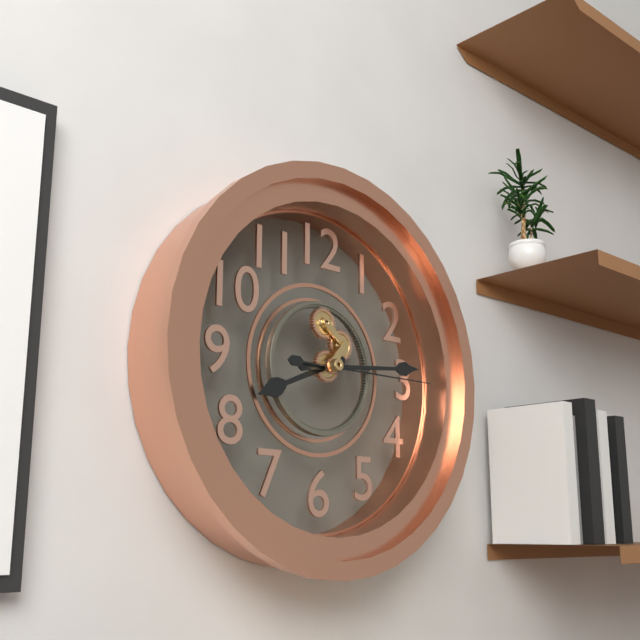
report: 8,14,15
